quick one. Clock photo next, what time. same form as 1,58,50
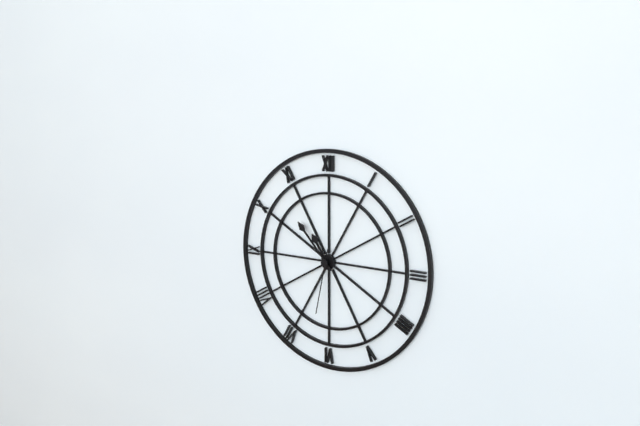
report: 10,53,32
